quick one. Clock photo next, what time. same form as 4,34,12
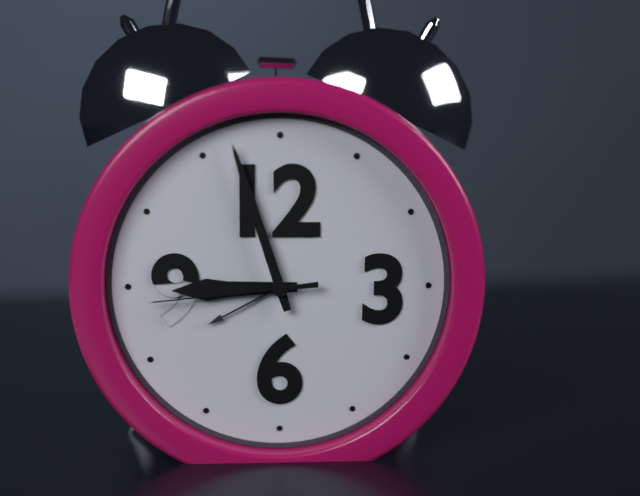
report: 8,57,44
